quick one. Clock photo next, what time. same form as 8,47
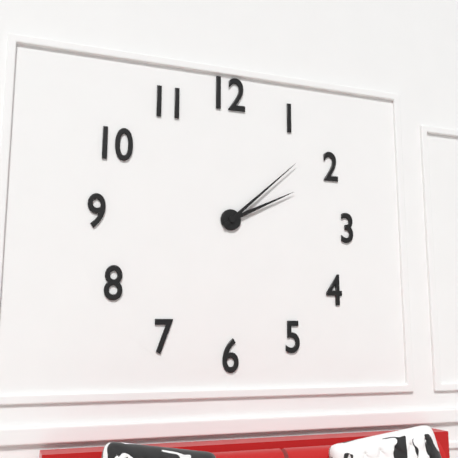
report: 2,08
